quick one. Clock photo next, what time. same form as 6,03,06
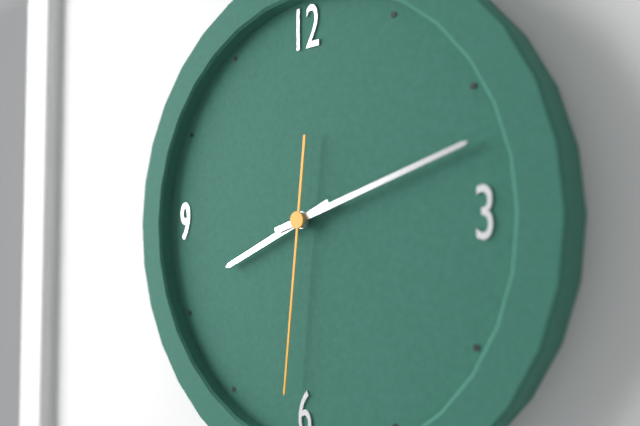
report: 8,12,31
